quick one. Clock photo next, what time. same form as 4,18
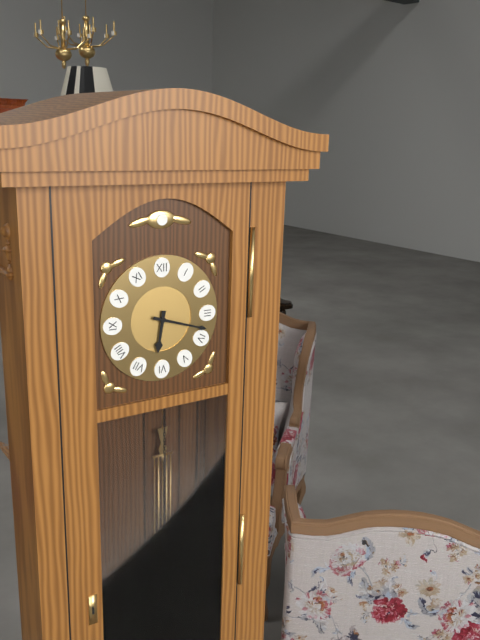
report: 6,18
